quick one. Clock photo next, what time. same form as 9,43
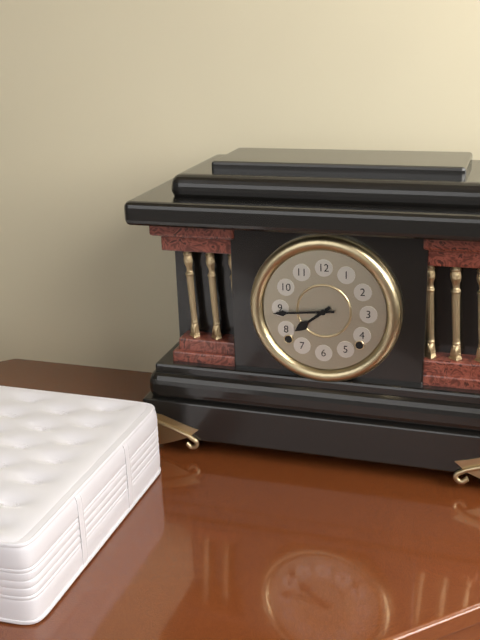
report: 7,44
